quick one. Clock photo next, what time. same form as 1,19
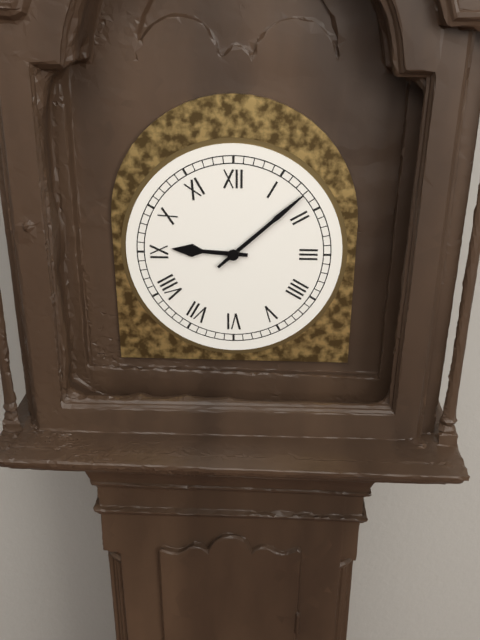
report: 9,08
